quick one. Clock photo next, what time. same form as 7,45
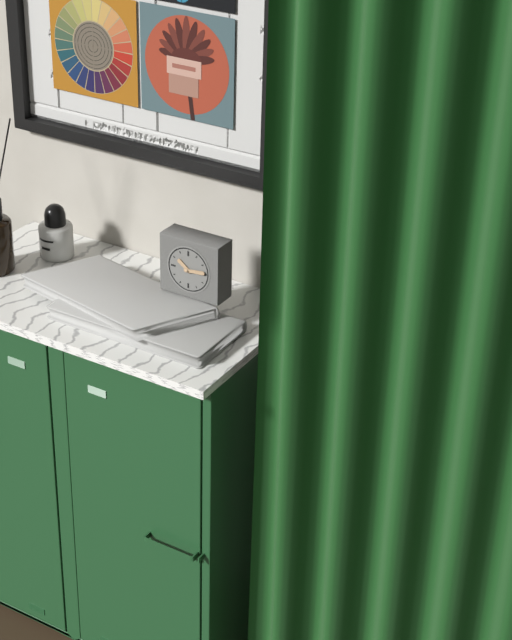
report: 10,14
